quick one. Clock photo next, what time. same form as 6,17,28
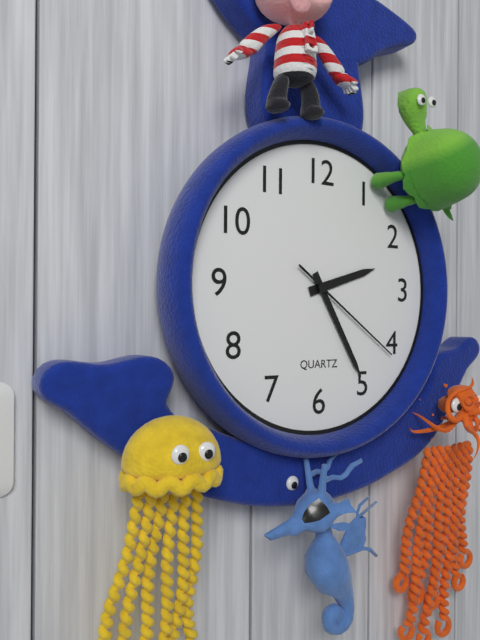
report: 2,25,21
